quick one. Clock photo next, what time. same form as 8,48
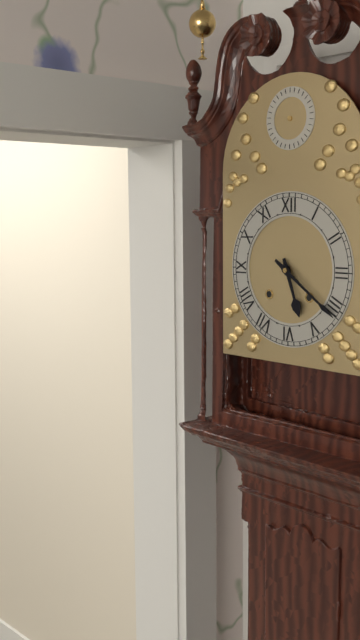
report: 5,21
